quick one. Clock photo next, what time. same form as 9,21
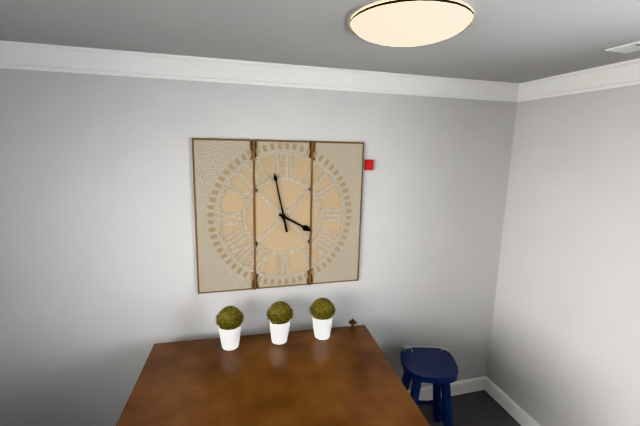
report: 3,58
